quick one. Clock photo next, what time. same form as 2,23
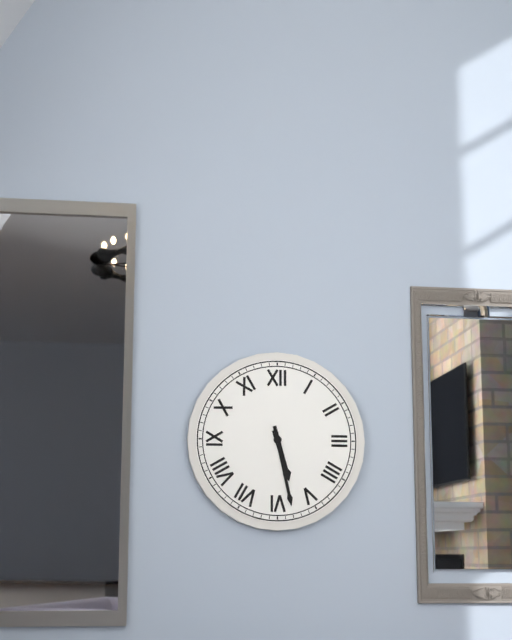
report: 5,28
